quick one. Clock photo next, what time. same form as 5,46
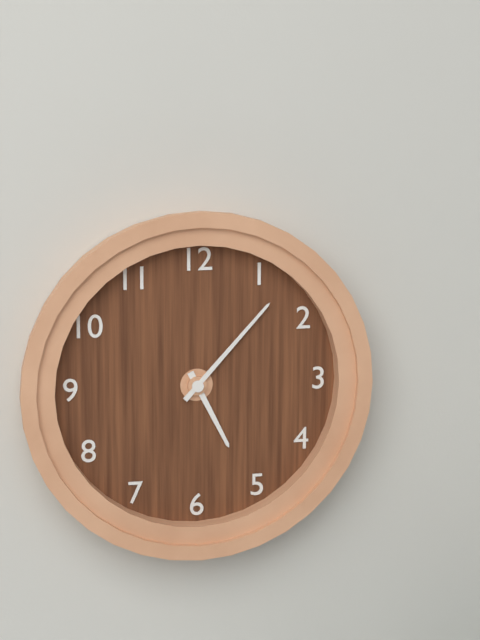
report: 5,07
